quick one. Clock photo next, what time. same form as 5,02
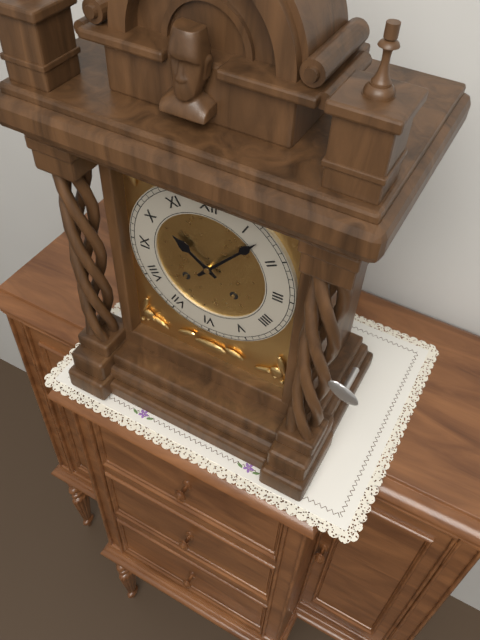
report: 10,07
